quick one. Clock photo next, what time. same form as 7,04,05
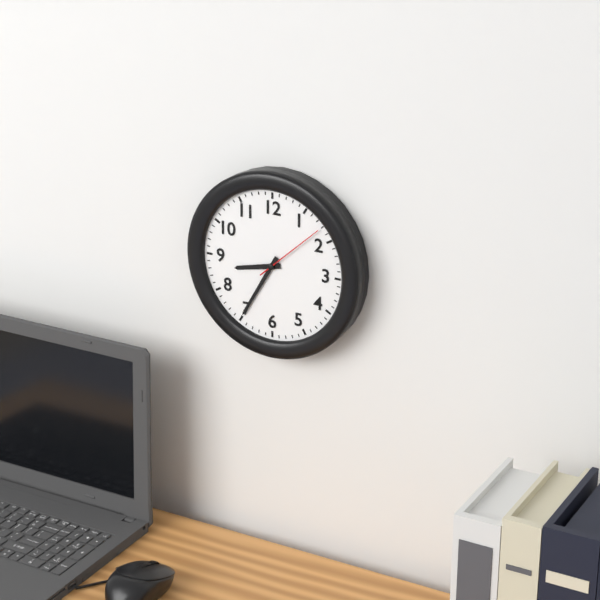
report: 8,35,08
